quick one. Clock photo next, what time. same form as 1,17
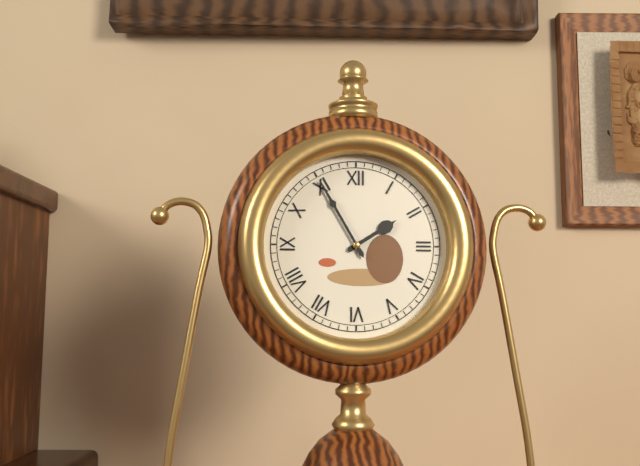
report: 1,55
